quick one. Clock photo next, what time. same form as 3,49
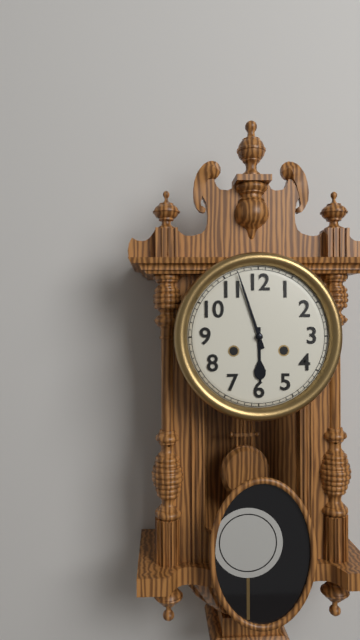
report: 5,57
